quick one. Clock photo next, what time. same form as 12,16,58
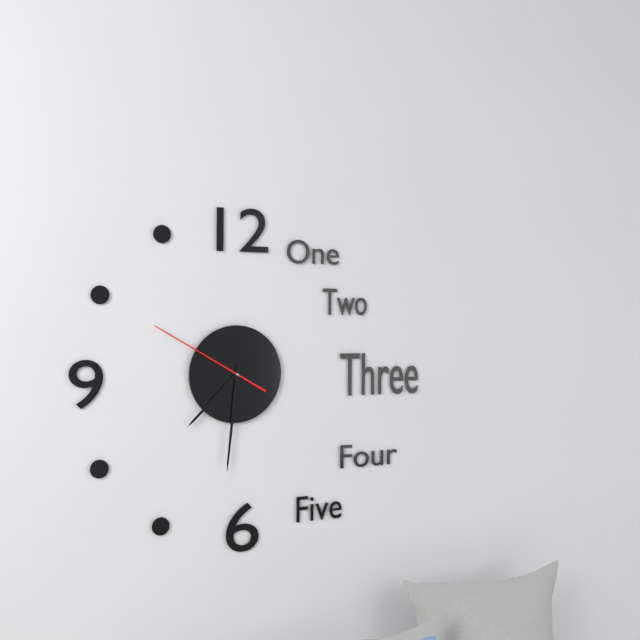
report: 7,31,50
